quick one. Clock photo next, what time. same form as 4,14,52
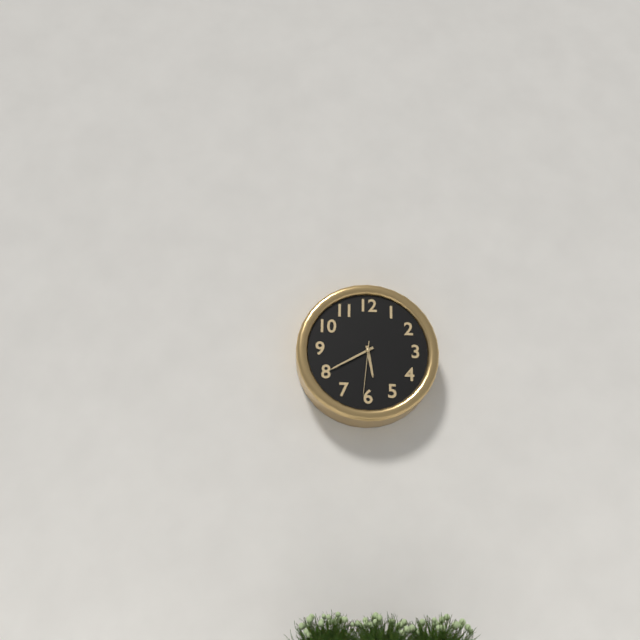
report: 5,40,31
